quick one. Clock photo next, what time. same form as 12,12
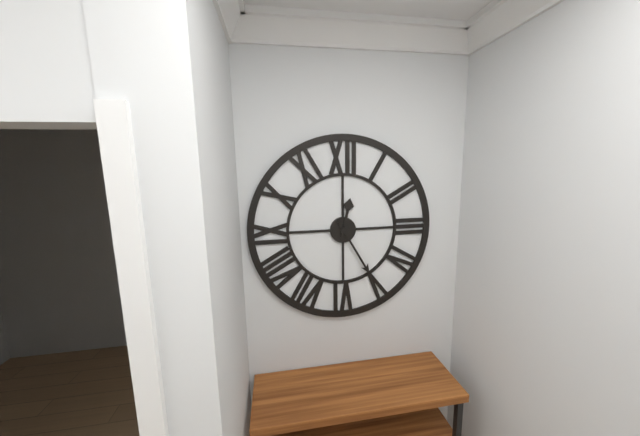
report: 12,25
